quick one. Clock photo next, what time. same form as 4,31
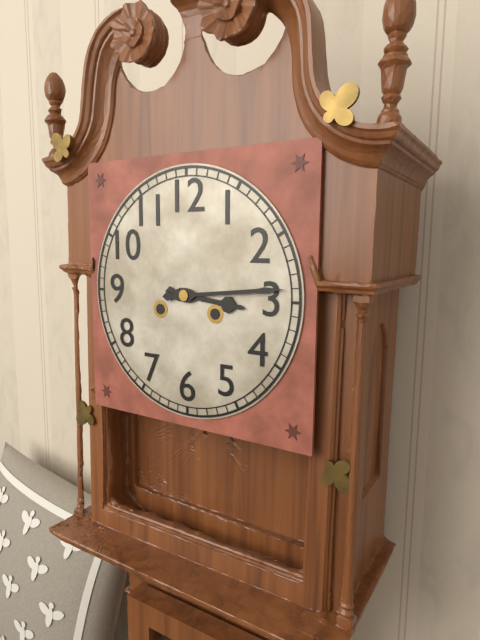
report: 3,14
